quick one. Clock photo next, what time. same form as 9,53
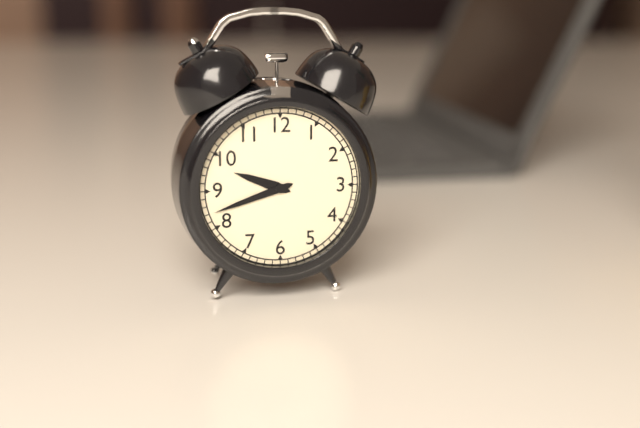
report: 9,42
